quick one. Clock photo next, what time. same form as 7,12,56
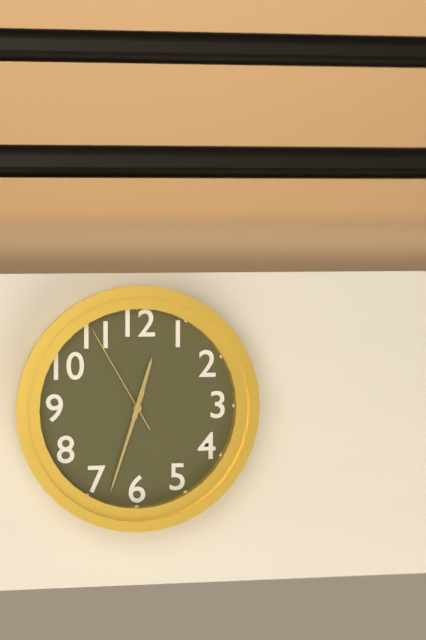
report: 12,33,55
